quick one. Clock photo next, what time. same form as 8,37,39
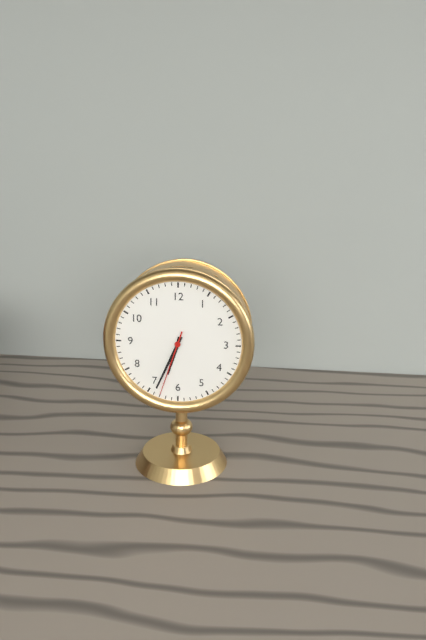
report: 6,34,33
